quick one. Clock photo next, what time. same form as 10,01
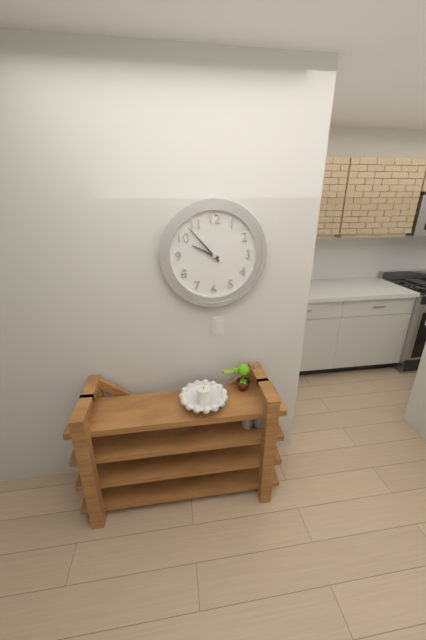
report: 9,53
